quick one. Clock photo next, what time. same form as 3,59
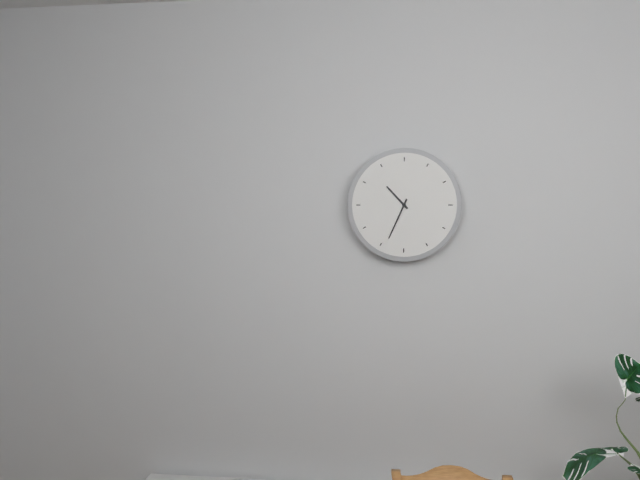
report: 10,34
